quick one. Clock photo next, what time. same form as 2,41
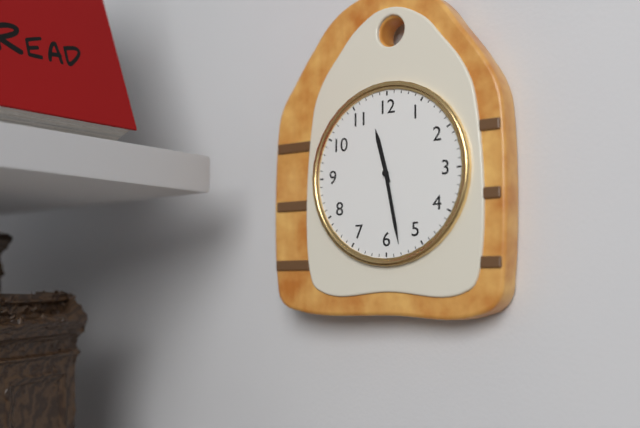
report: 11,28
